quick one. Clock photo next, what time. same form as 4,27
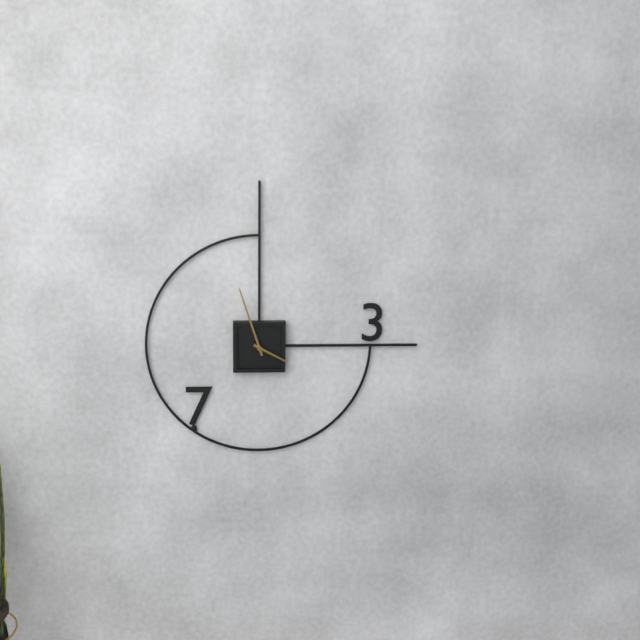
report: 3,57
